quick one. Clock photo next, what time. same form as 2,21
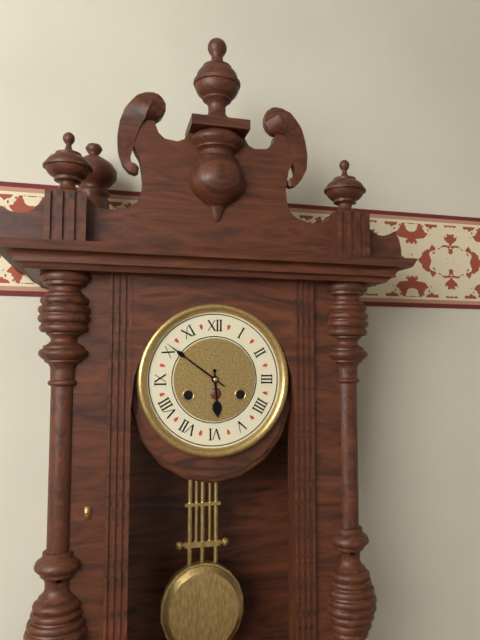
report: 5,51
